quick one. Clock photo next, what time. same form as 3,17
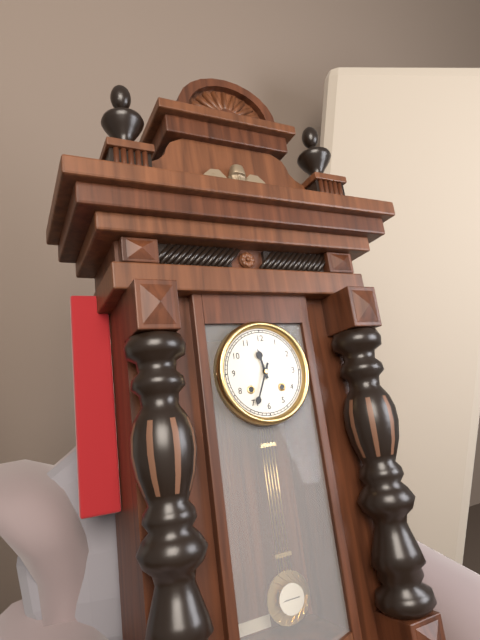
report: 11,34
